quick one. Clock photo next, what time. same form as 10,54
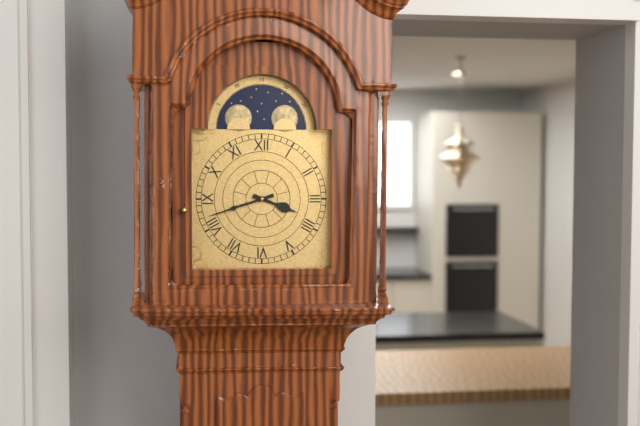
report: 3,42
